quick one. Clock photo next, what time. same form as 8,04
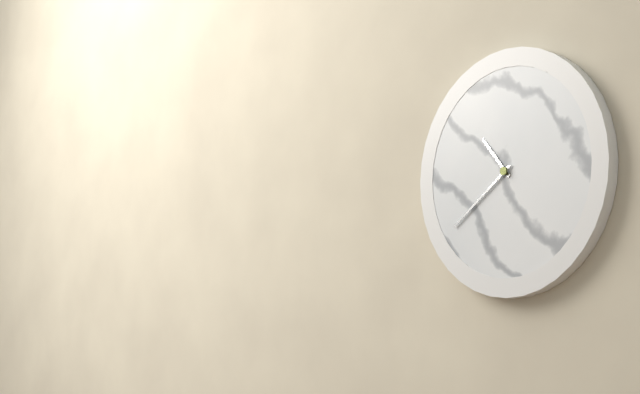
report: 10,39
